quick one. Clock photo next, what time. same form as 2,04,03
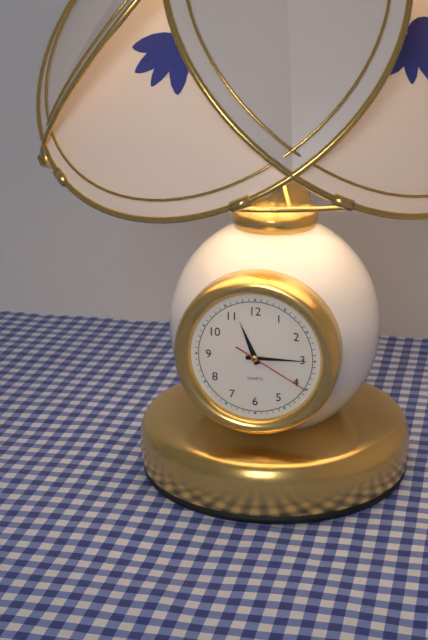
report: 11,15,20
